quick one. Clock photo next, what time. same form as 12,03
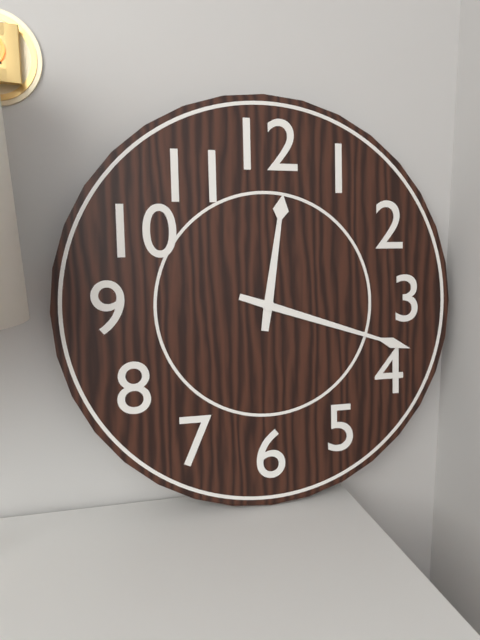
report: 12,18
